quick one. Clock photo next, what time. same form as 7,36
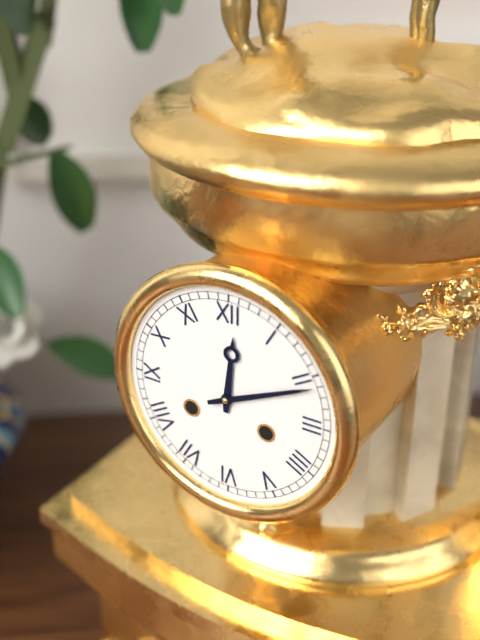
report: 12,11
